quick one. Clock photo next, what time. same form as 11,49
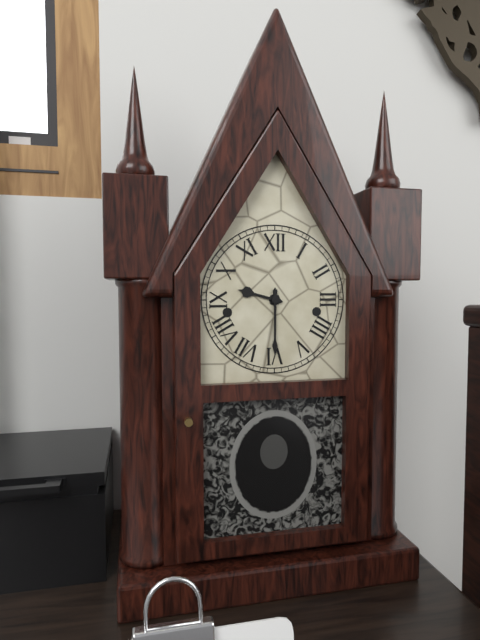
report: 9,30
